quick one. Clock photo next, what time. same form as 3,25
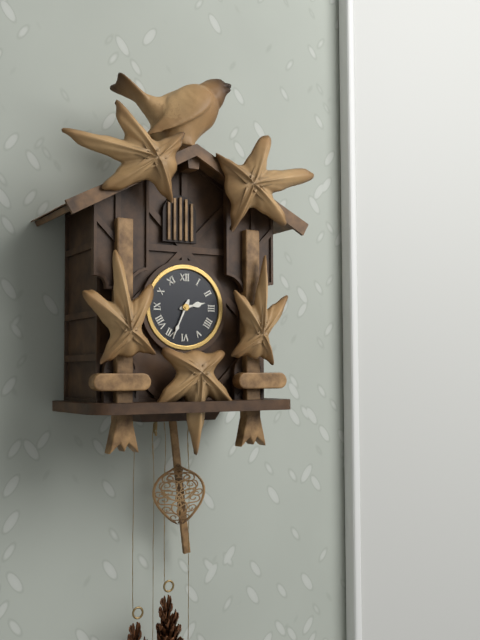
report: 2,34
